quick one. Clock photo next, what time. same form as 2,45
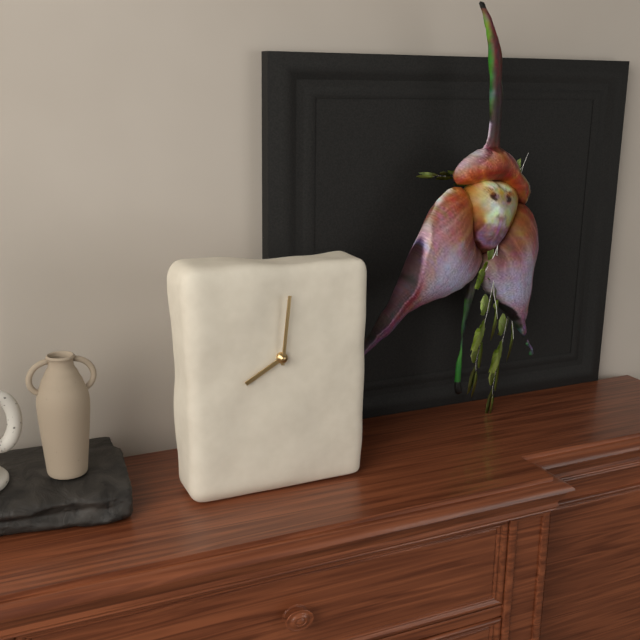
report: 8,01
